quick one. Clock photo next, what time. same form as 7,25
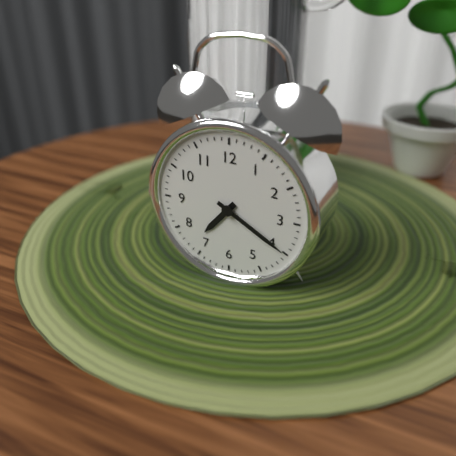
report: 7,20
